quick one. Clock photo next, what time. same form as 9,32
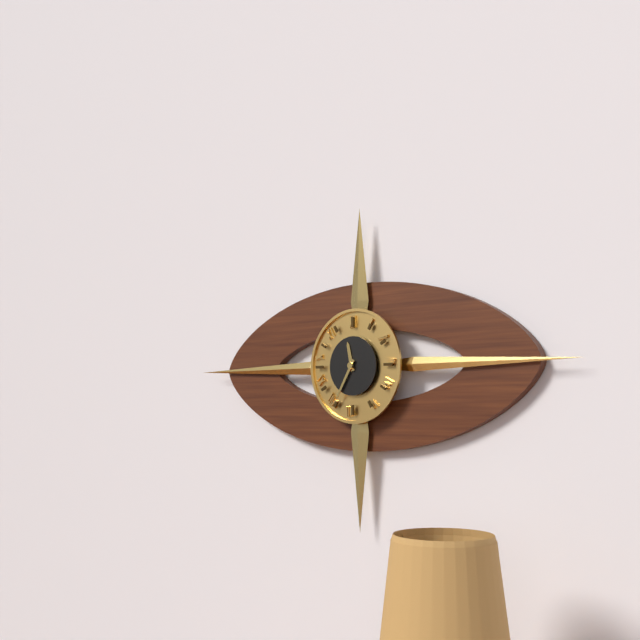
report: 11,35
